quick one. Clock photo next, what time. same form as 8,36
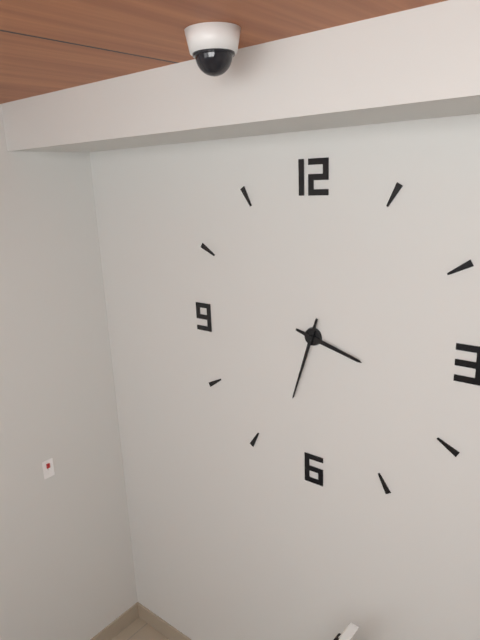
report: 3,33
